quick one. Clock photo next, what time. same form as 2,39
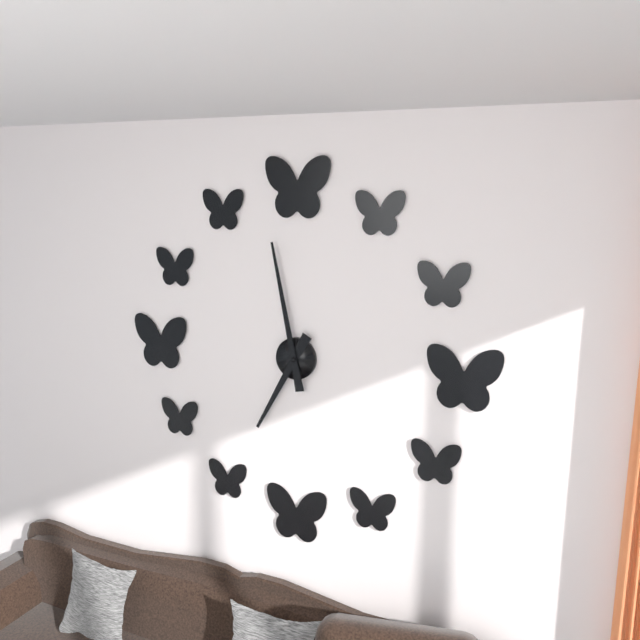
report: 6,58
